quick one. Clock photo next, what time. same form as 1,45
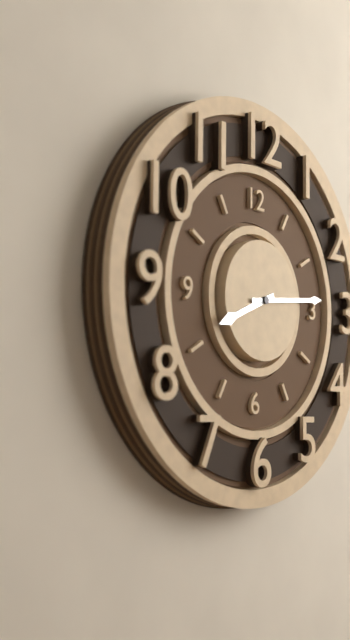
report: 8,14
